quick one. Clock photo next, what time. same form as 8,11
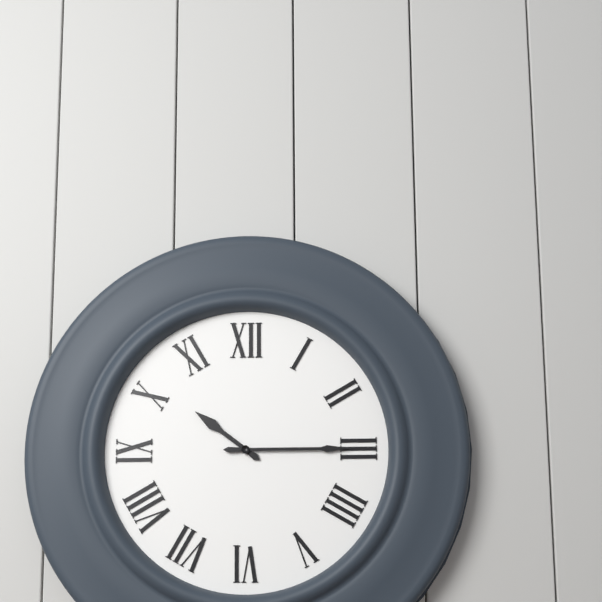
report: 10,15
